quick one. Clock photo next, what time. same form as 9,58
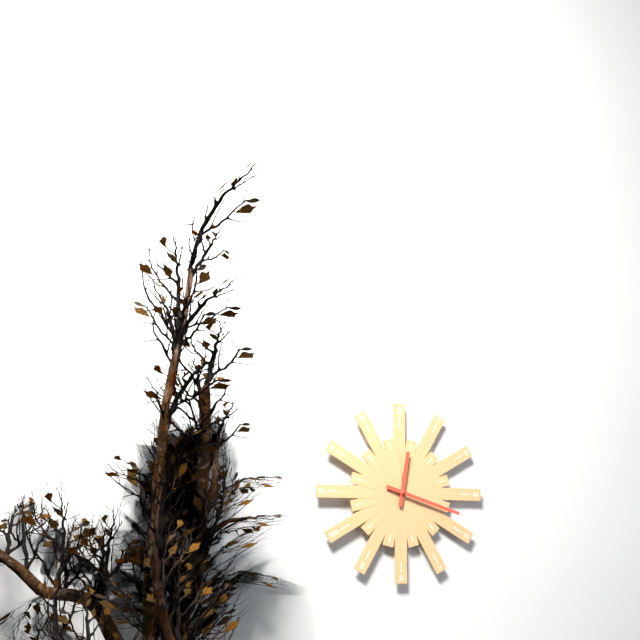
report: 12,18
